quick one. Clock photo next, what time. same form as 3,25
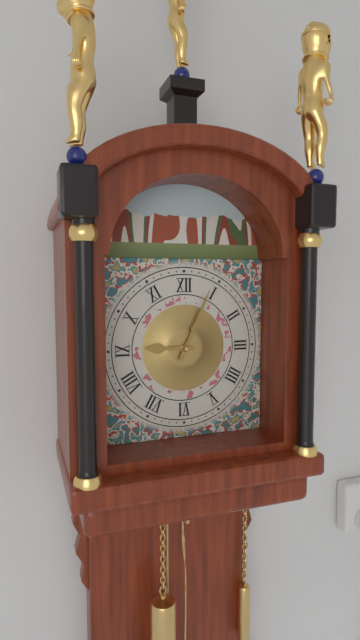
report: 9,04
